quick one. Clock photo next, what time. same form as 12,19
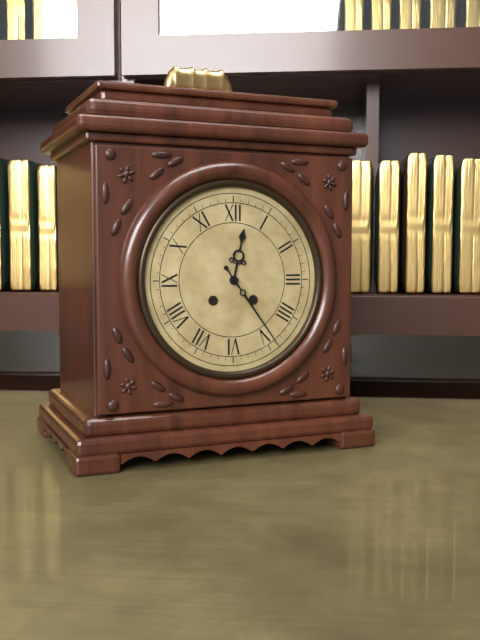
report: 12,24
